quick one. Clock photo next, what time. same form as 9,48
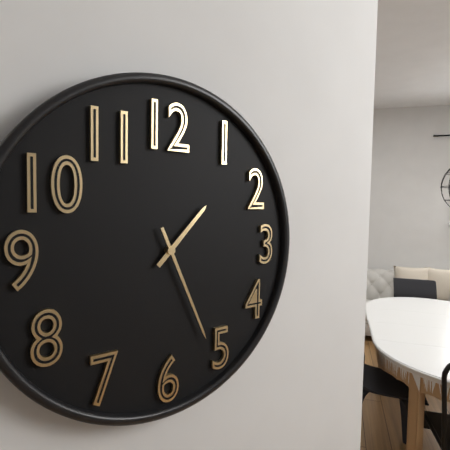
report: 1,26
